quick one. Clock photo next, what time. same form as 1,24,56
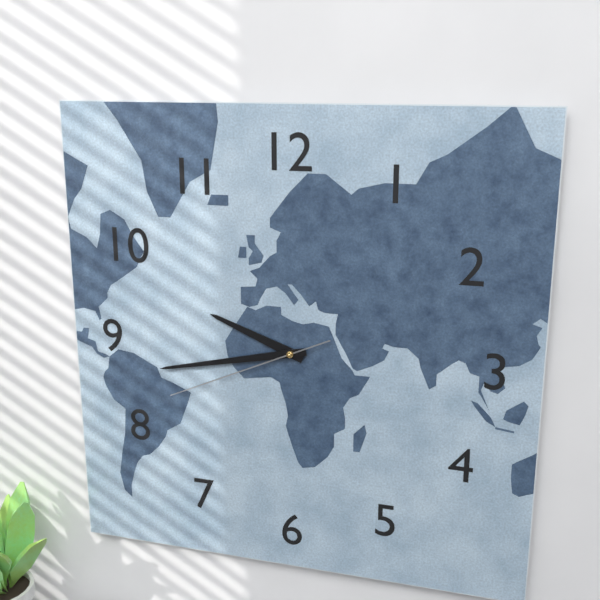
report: 9,43,41
